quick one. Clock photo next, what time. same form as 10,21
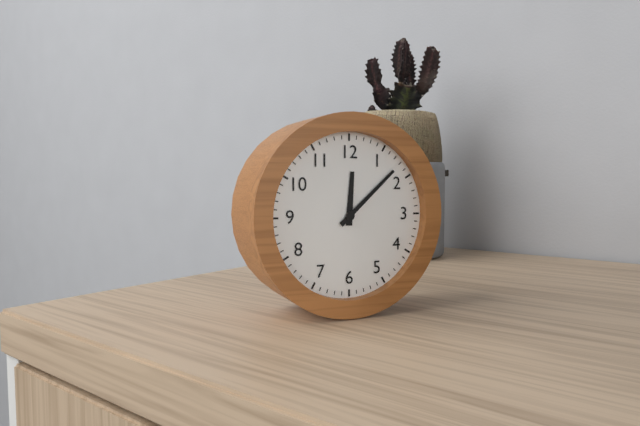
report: 12,08
